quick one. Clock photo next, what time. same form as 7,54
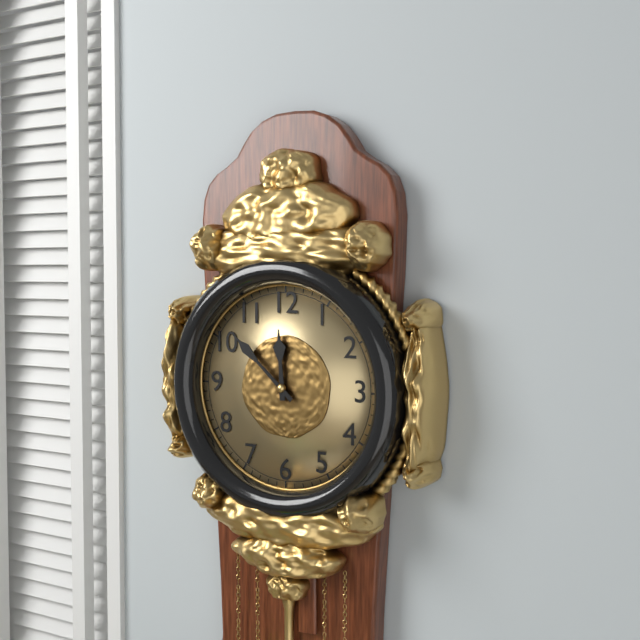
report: 11,52
